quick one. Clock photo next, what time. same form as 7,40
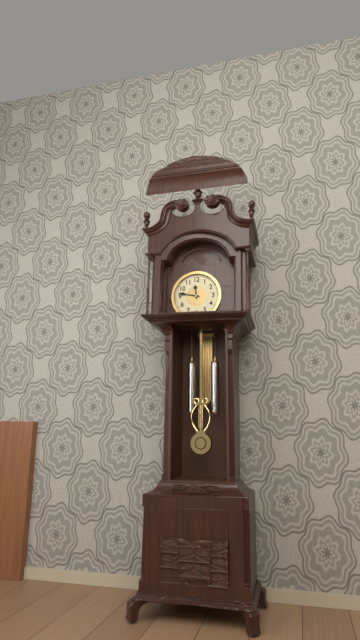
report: 11,47
